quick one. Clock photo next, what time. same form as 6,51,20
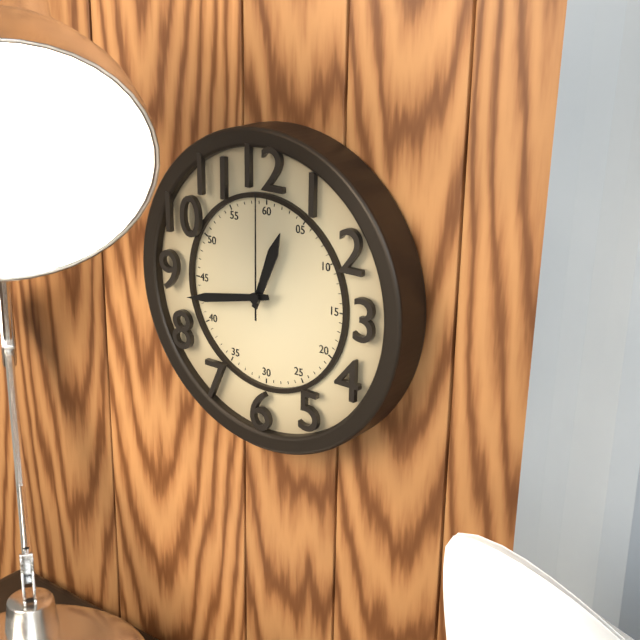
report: 12,43,00
